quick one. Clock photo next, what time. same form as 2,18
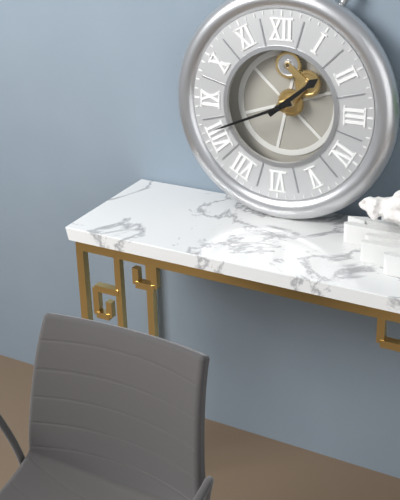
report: 1,41
